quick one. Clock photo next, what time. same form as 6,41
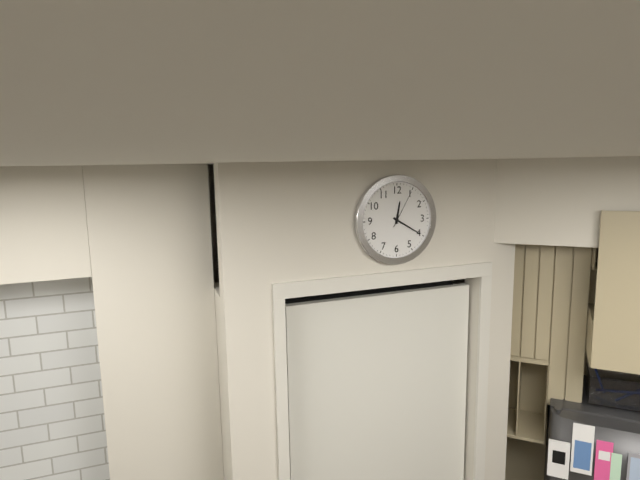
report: 12,20
